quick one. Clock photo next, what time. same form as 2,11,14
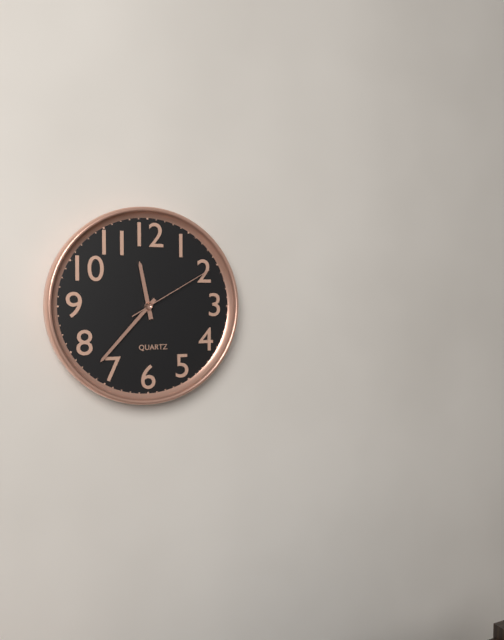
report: 11,37,10
